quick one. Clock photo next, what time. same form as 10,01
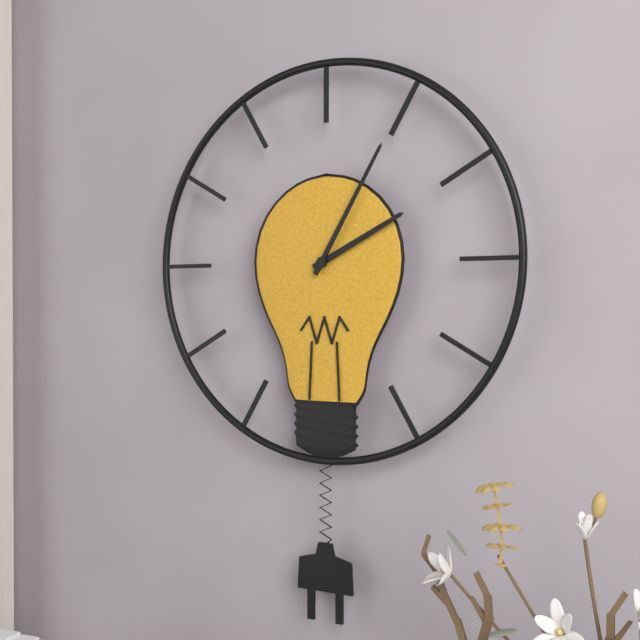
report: 2,05
